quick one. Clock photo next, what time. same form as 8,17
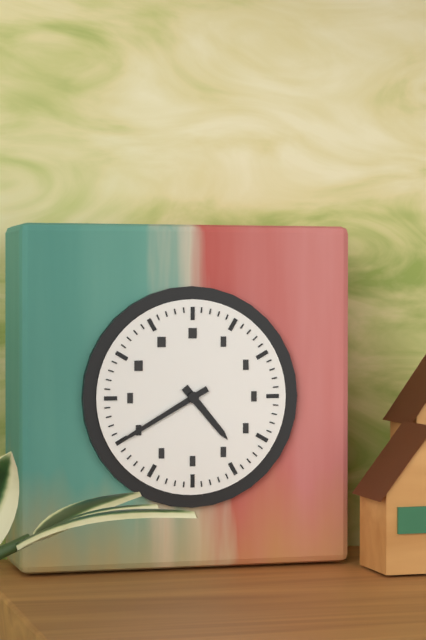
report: 4,40
